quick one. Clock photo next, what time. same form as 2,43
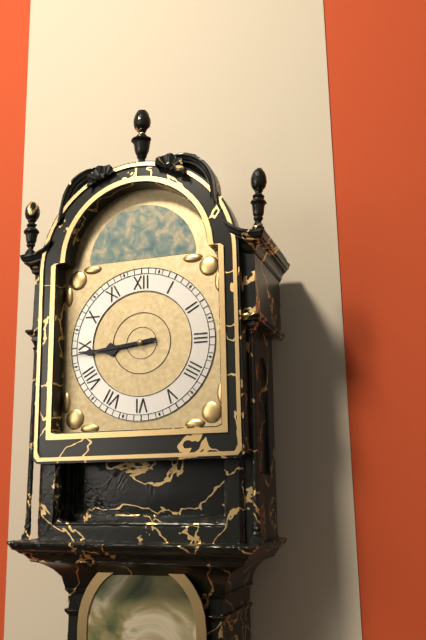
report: 8,44
